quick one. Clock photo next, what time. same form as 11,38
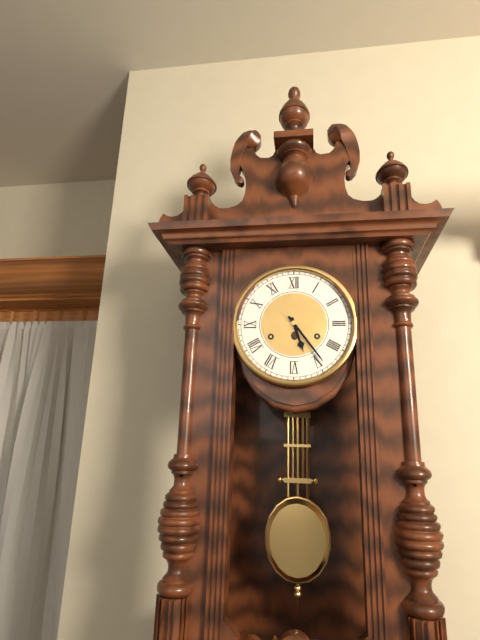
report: 5,24
